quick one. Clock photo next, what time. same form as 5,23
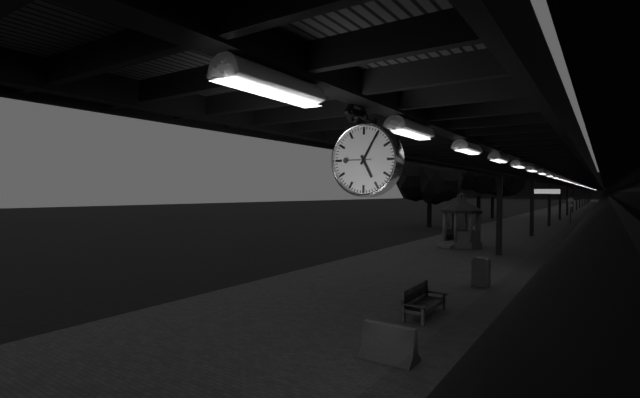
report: 5,05
